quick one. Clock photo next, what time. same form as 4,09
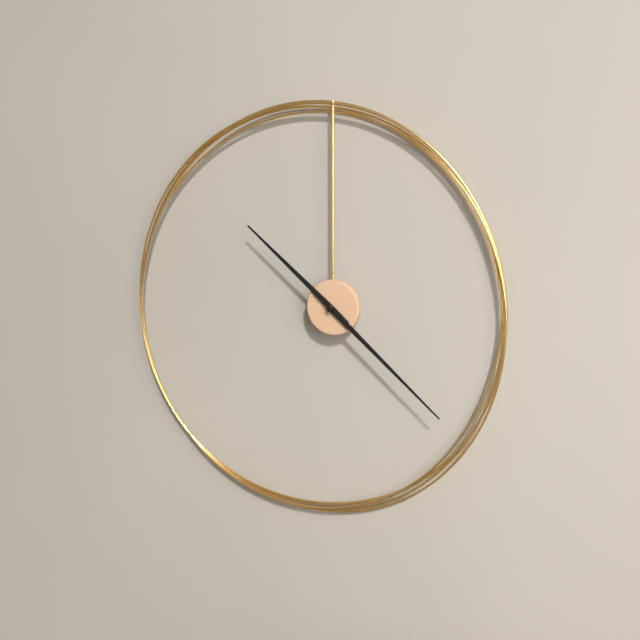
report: 10,22
